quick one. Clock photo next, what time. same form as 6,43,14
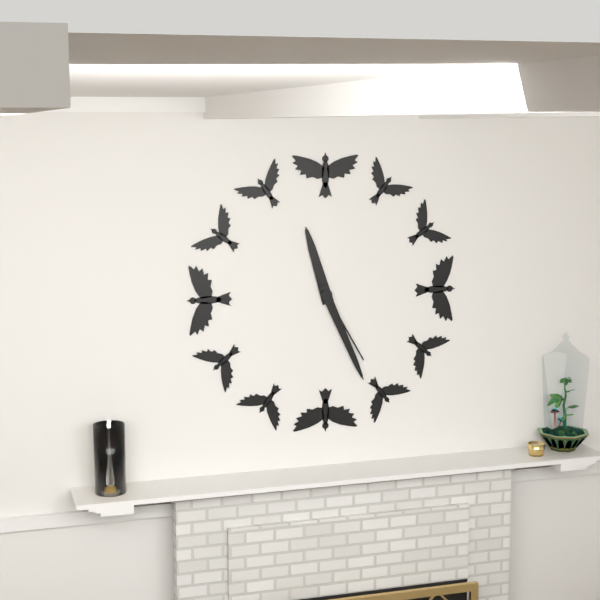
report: 11,26,25
